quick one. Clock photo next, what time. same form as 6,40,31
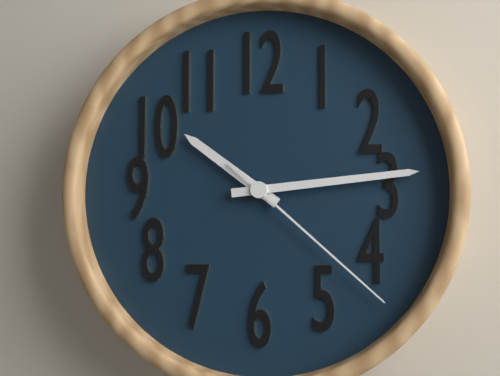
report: 10,14,22
